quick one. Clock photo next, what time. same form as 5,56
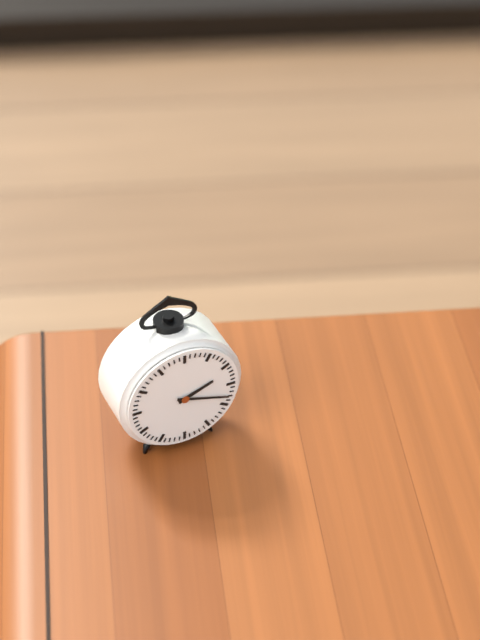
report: 2,18
